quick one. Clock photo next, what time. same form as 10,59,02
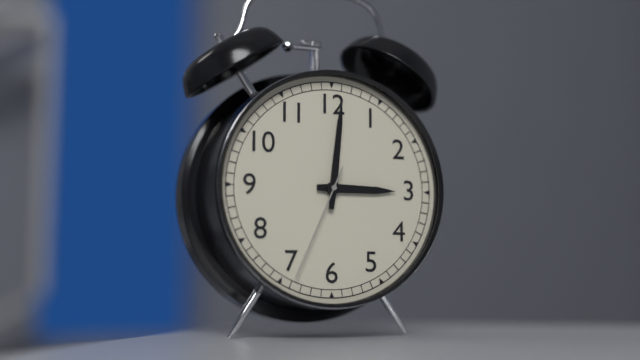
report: 3,01,34
